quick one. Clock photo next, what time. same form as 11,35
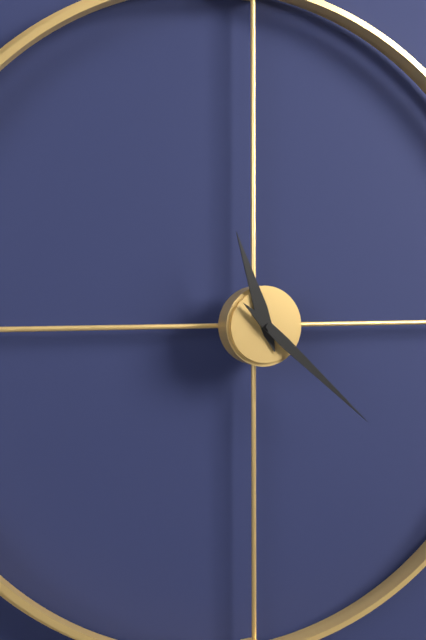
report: 11,22
